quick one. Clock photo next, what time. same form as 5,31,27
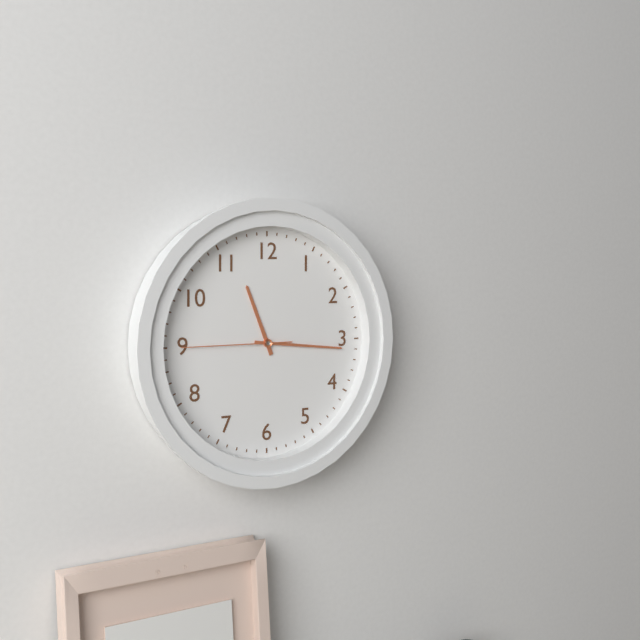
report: 11,16,45
